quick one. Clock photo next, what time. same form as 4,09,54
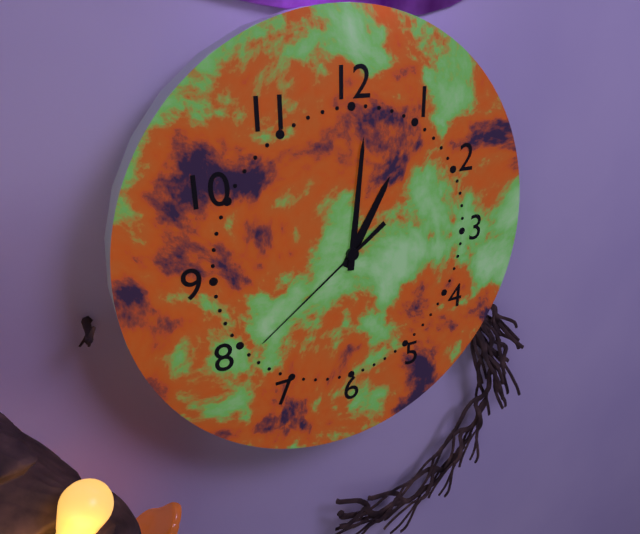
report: 1,01,39
